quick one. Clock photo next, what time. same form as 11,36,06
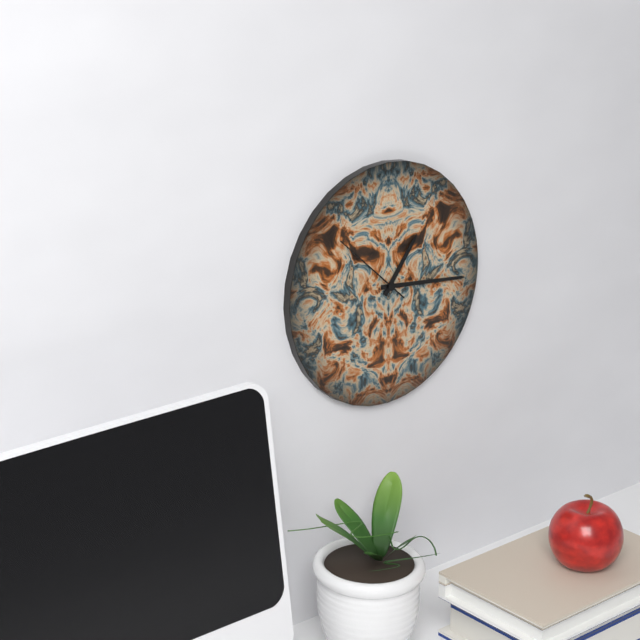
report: 1,16,52
